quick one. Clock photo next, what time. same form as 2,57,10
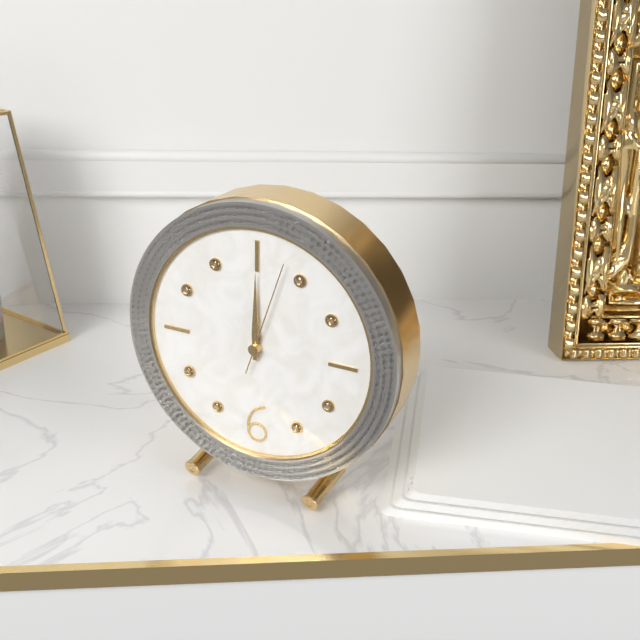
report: 12,00,03
